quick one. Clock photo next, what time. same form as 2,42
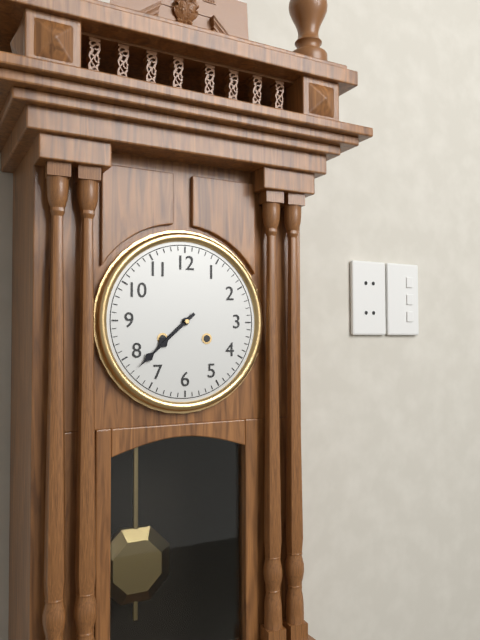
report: 7,38
